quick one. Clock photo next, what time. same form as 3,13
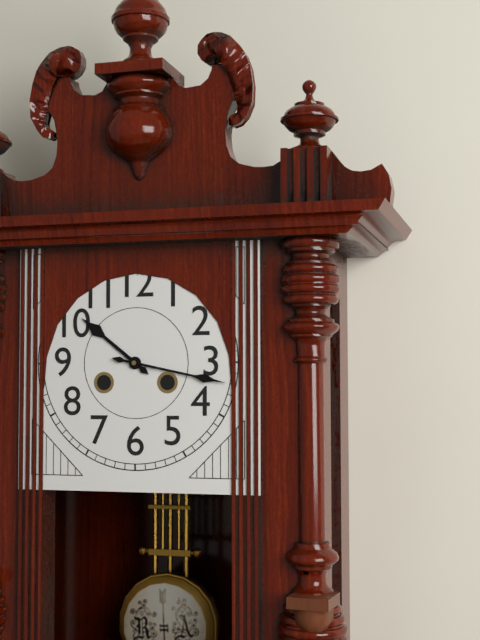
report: 10,17
